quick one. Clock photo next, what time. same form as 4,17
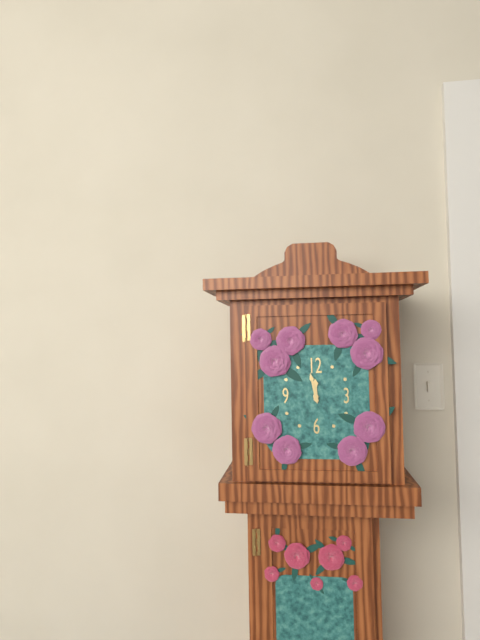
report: 11,58
